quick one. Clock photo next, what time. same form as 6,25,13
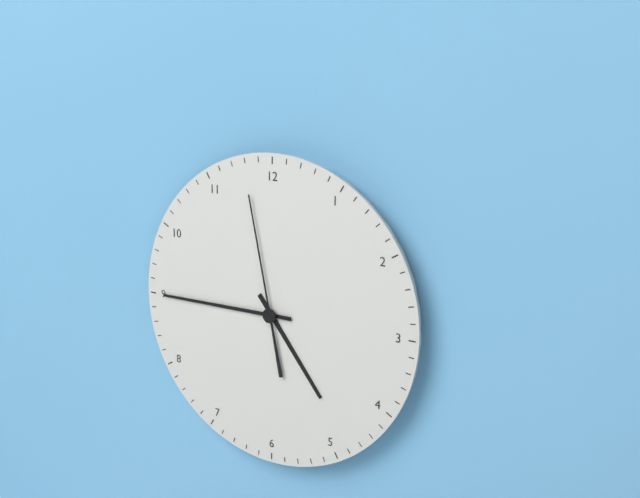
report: 4,45,58
